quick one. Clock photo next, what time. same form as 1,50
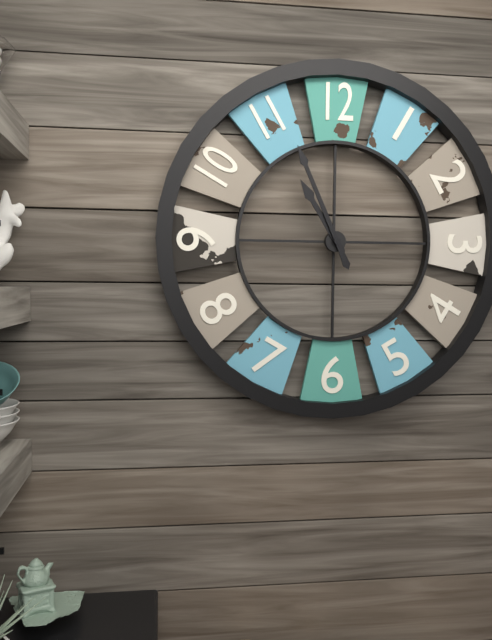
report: 10,56
